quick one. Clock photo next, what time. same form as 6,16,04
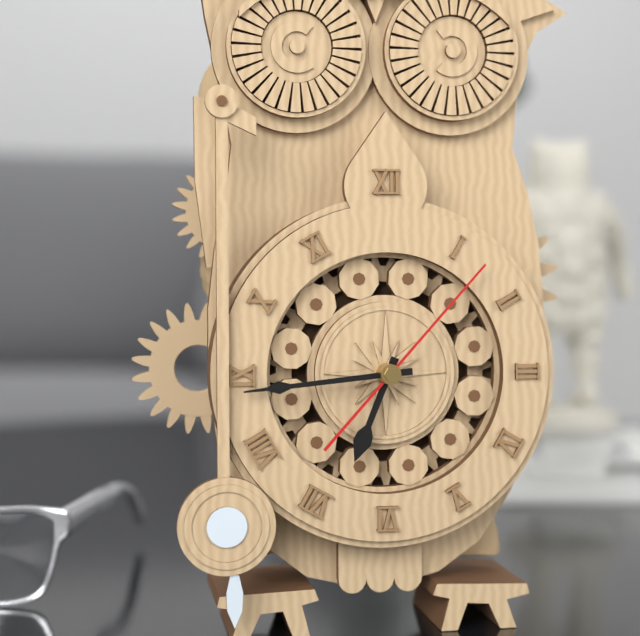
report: 6,44,07
